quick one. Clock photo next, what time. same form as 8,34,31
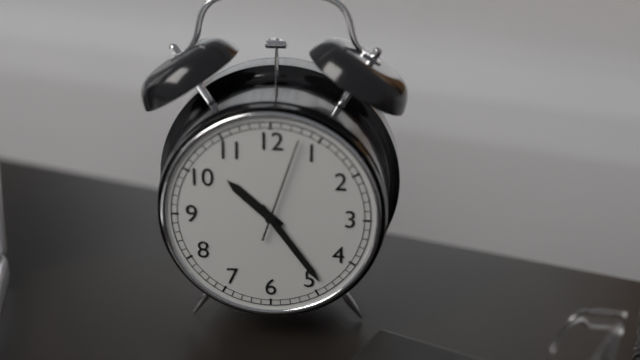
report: 10,24,03
